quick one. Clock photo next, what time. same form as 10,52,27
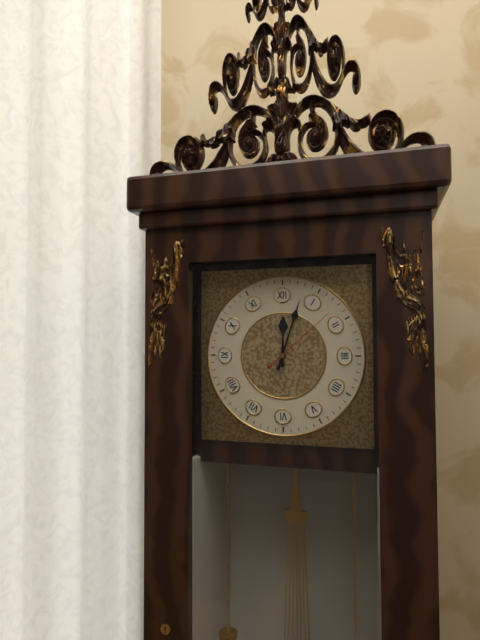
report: 12,03,08
